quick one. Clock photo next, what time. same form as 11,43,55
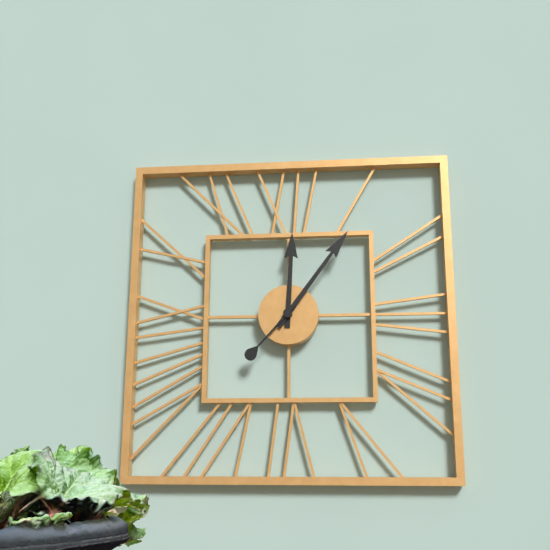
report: 12,06,37
